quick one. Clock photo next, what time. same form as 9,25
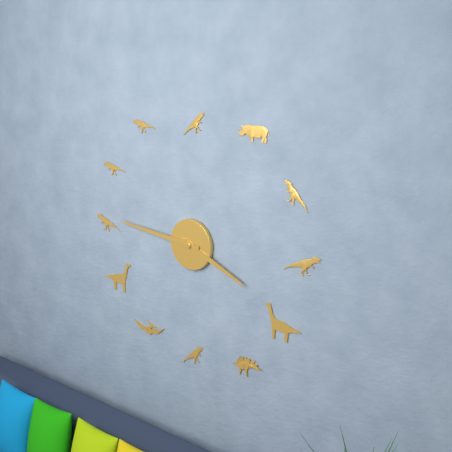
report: 3,46
